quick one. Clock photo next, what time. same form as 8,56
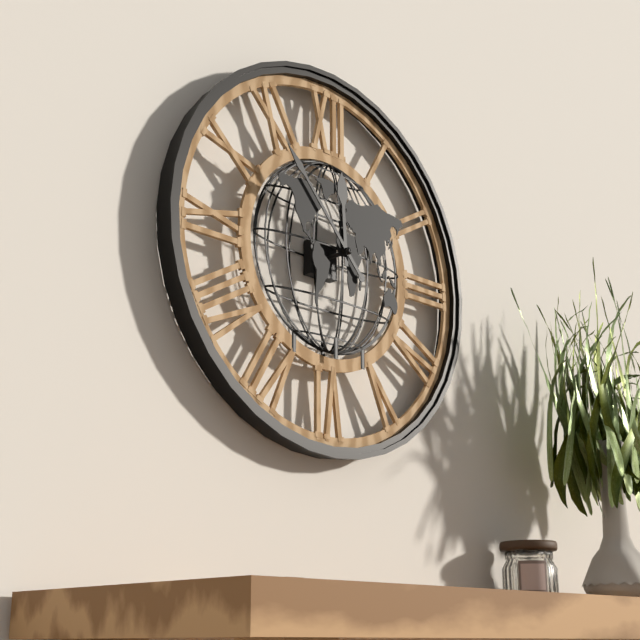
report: 11,53
